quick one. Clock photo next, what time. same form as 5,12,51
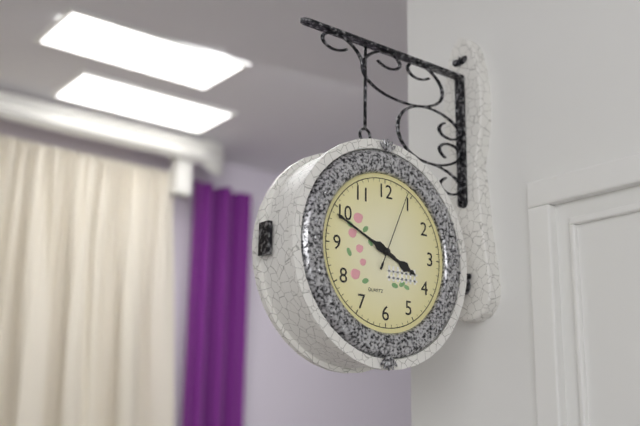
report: 3,49,04
